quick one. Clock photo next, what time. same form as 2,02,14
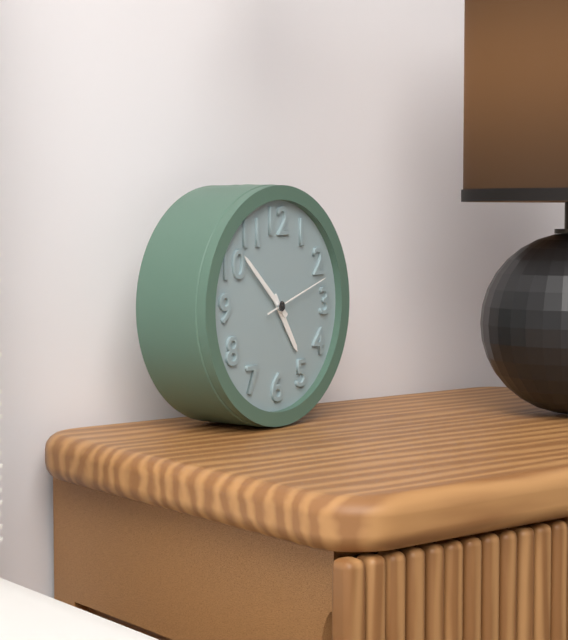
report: 4,52,12
